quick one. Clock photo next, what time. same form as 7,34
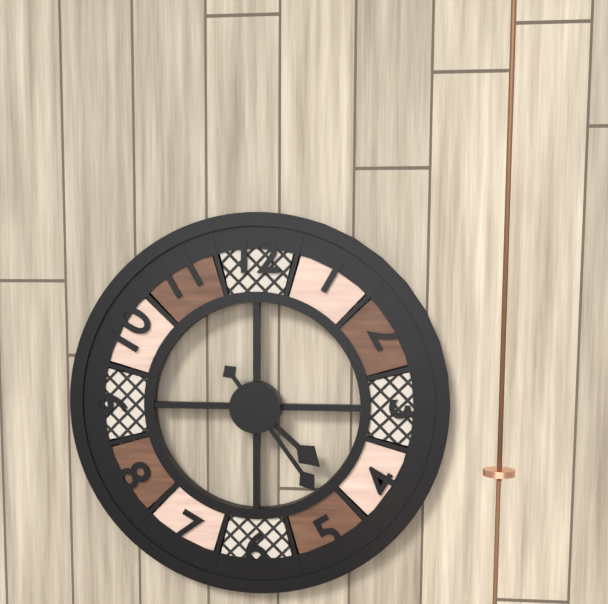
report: 4,24
